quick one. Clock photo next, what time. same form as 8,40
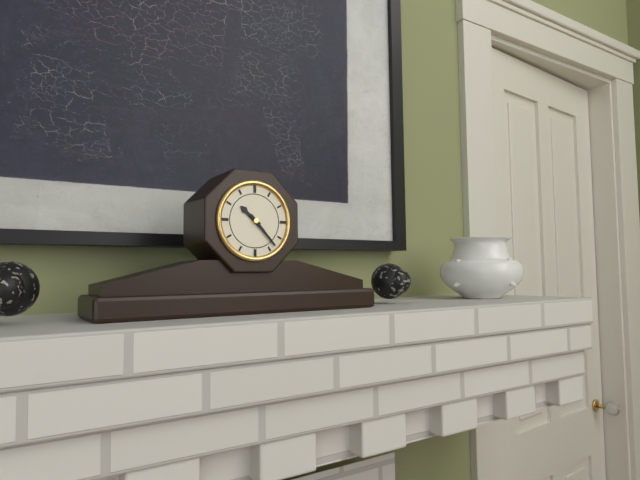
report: 10,23
